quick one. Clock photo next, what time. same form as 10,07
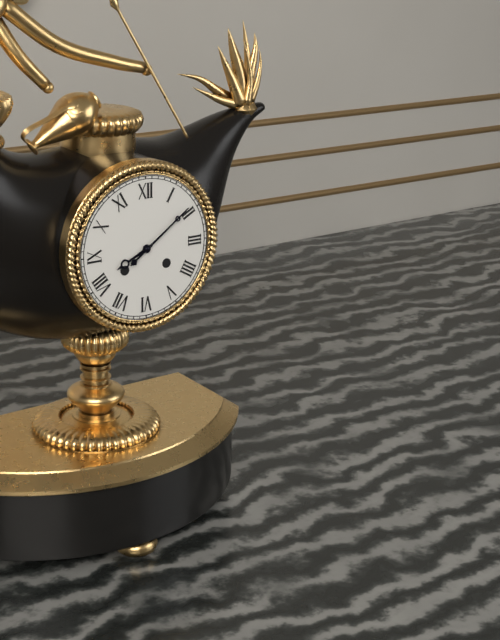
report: 8,09
